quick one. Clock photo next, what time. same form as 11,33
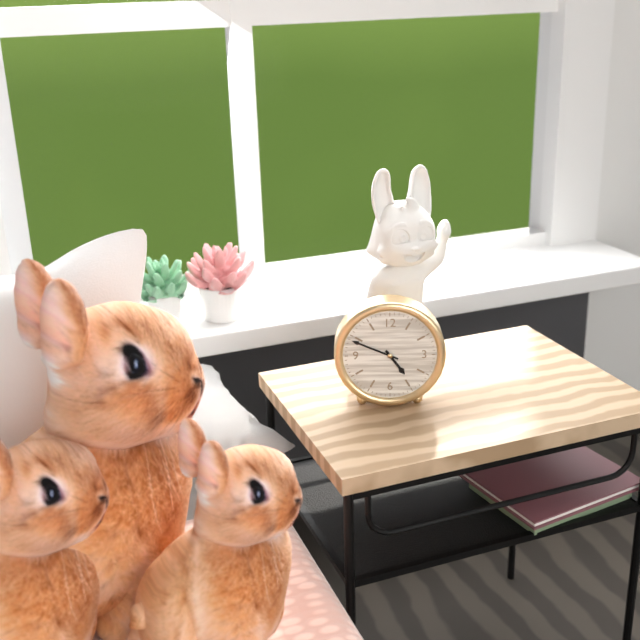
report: 4,49
